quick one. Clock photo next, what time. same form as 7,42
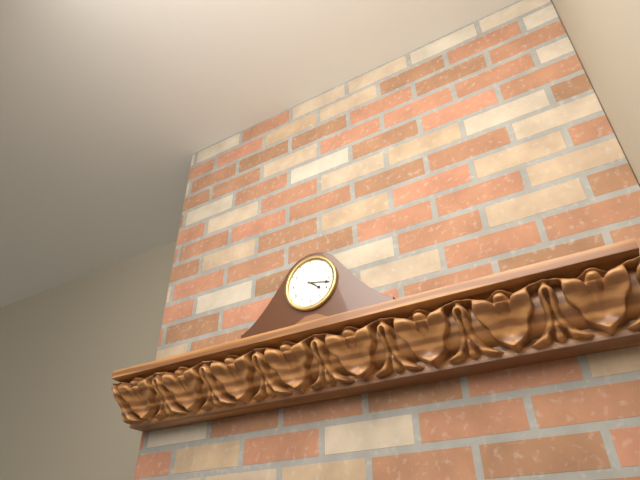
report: 4,17
